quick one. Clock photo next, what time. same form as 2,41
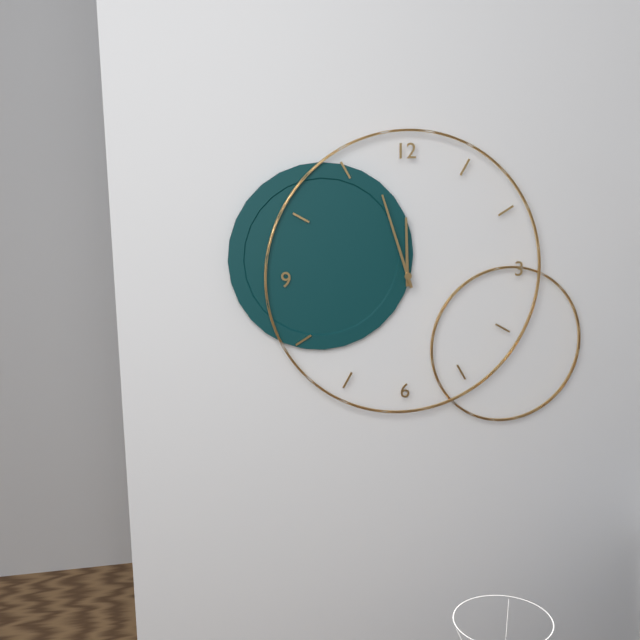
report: 11,57
